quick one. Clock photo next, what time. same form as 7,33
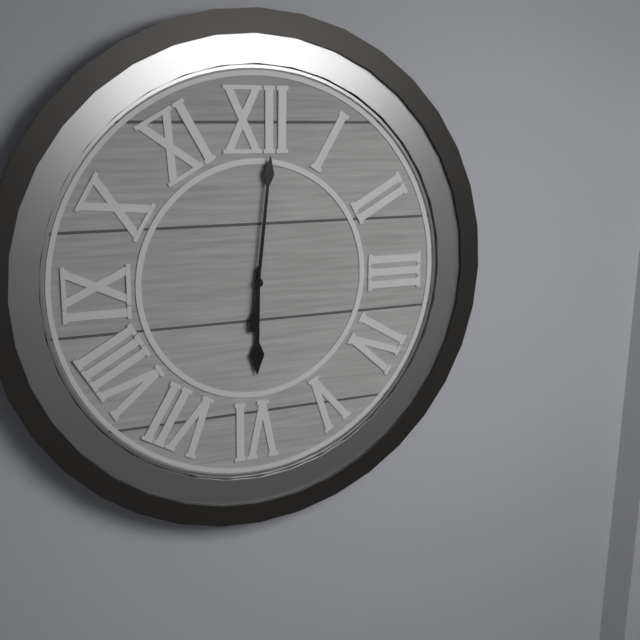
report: 6,01
